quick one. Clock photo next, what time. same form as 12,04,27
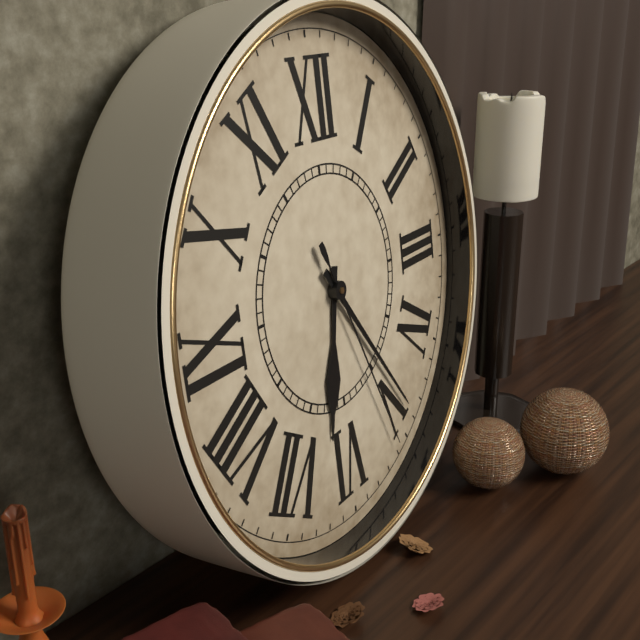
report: 6,24,26
